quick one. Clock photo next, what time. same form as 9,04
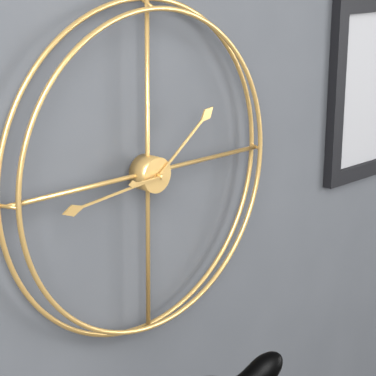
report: 1,44
